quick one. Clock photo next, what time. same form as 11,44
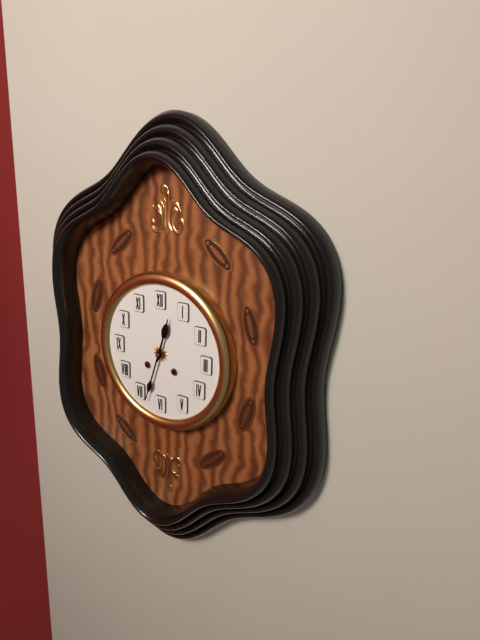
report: 12,33
